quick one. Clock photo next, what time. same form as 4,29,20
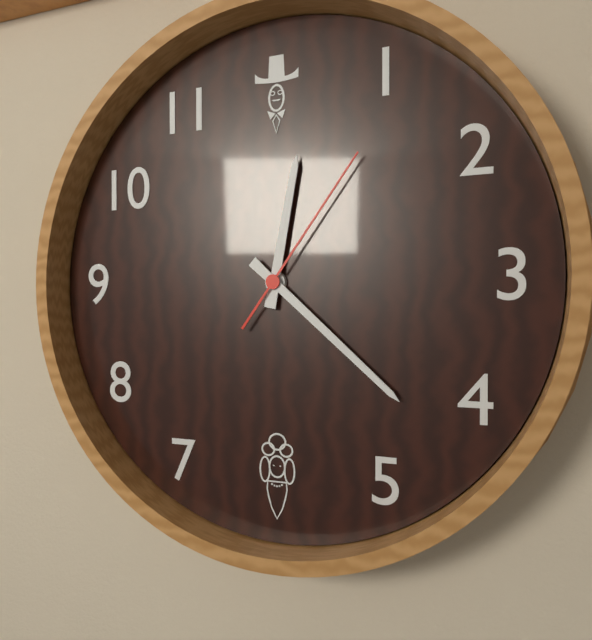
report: 12,22,06
